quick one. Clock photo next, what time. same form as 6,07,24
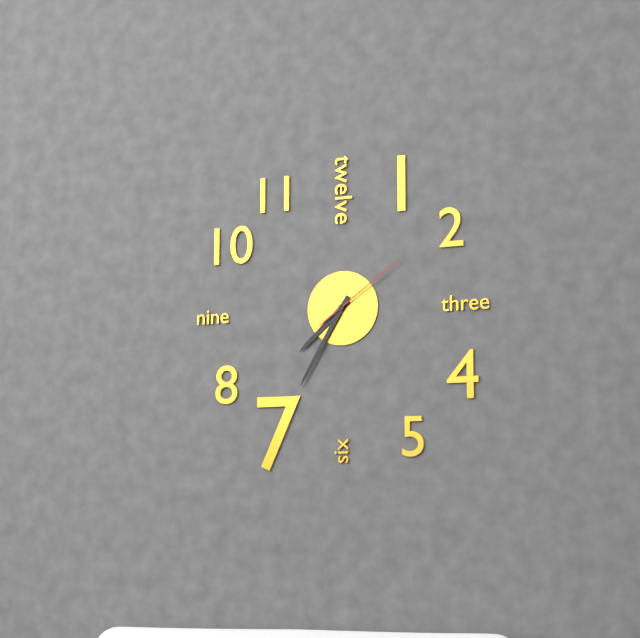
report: 7,35,09
